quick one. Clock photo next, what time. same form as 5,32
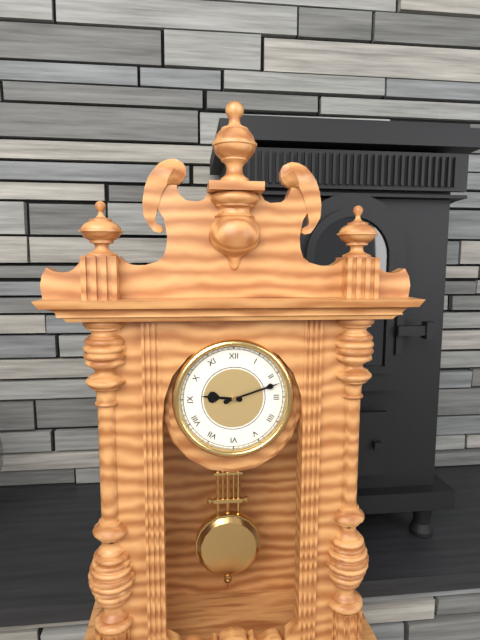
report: 9,12
